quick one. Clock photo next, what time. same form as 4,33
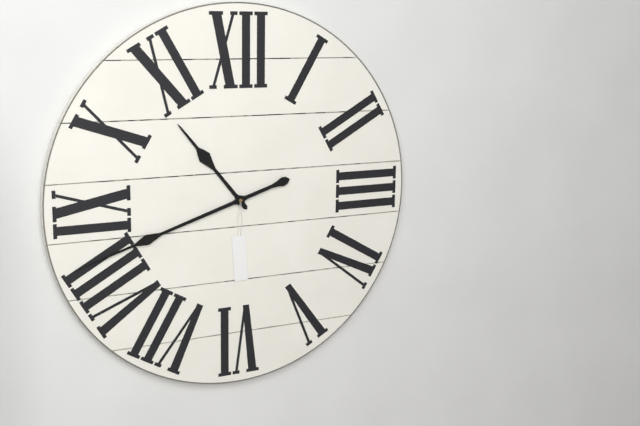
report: 10,42
